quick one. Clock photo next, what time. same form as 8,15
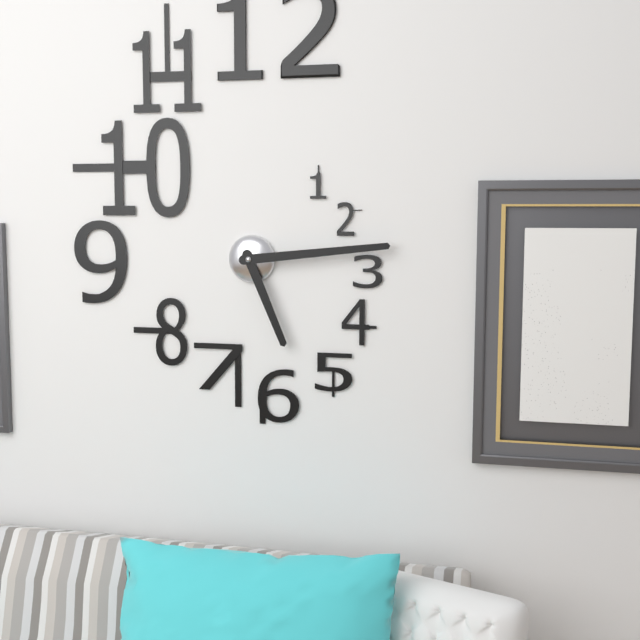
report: 5,14
